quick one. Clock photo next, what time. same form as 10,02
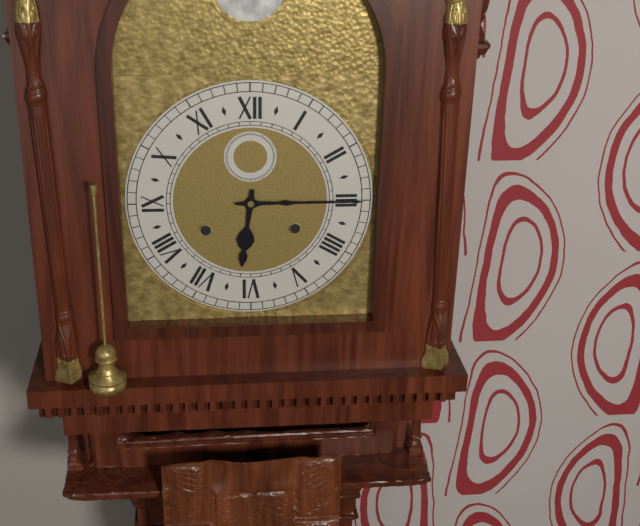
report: 6,15
